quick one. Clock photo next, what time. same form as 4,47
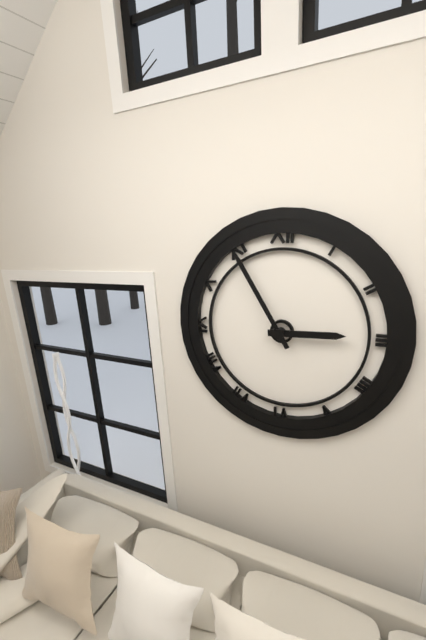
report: 2,55
